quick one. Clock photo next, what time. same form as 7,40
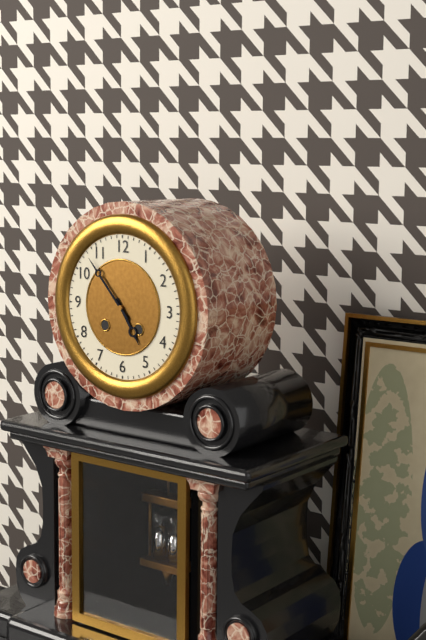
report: 4,53
